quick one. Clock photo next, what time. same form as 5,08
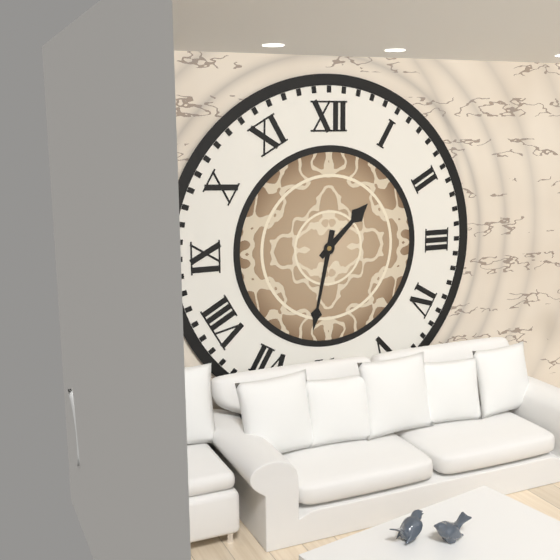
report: 1,32
